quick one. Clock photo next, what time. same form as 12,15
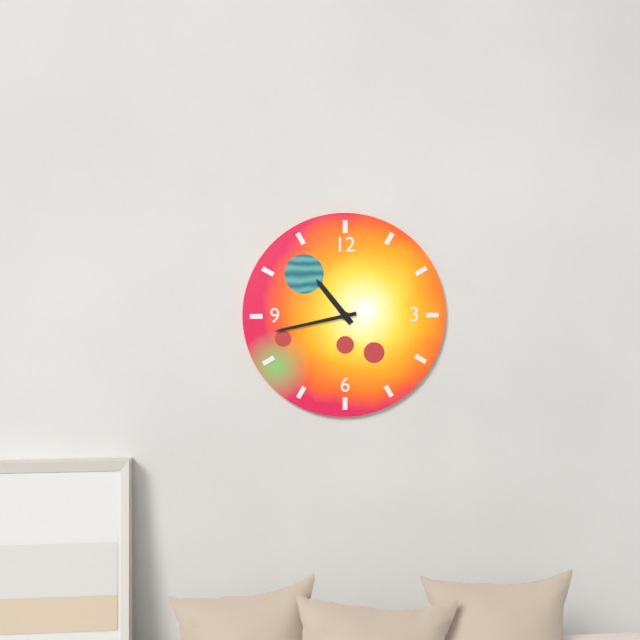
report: 10,43
